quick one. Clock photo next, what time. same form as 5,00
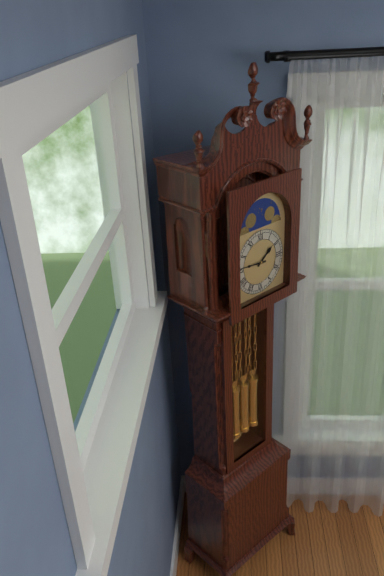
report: 1,46
